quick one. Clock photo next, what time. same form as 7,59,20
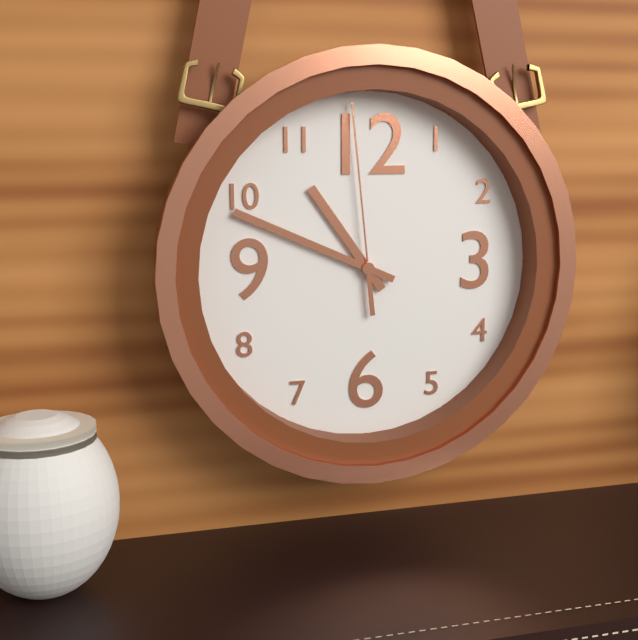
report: 10,49,59
